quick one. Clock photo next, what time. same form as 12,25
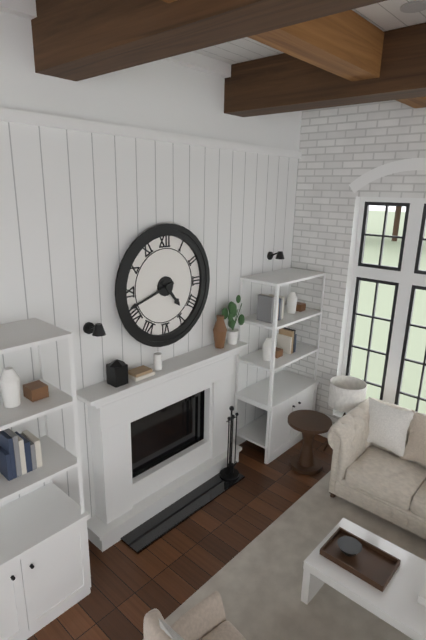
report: 4,42
